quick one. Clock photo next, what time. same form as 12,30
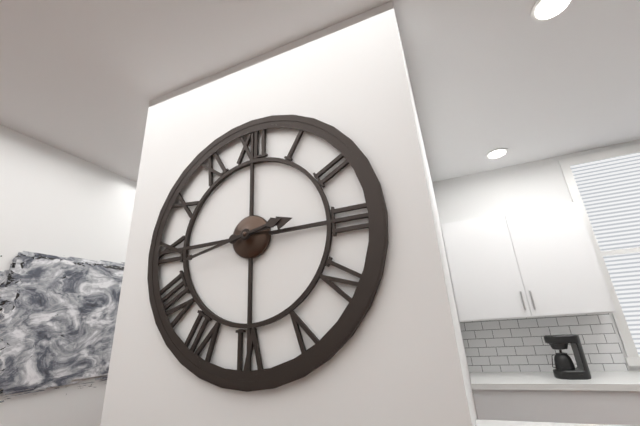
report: 2,43
